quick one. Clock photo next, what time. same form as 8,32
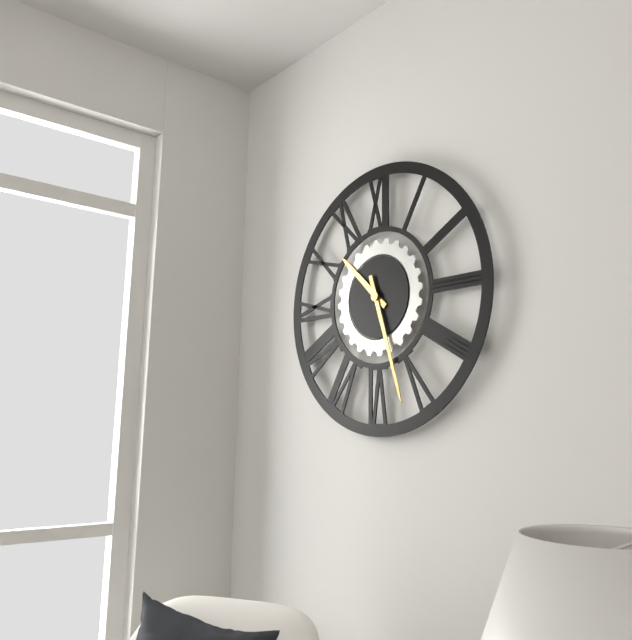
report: 10,27
